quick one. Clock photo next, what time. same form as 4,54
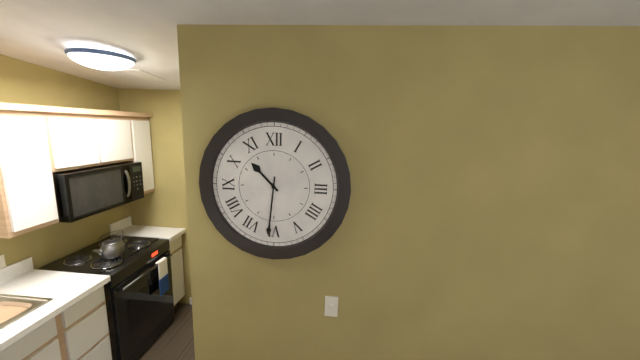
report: 10,31
